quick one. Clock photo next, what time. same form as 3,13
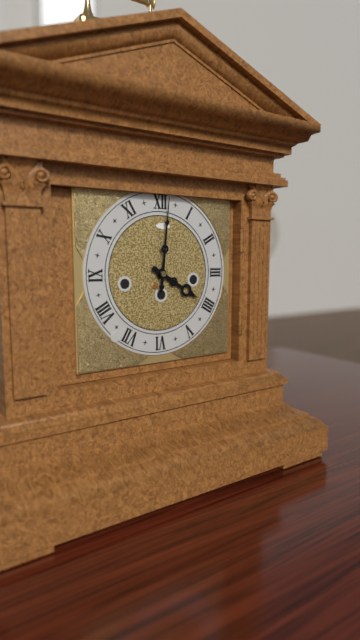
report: 4,01
